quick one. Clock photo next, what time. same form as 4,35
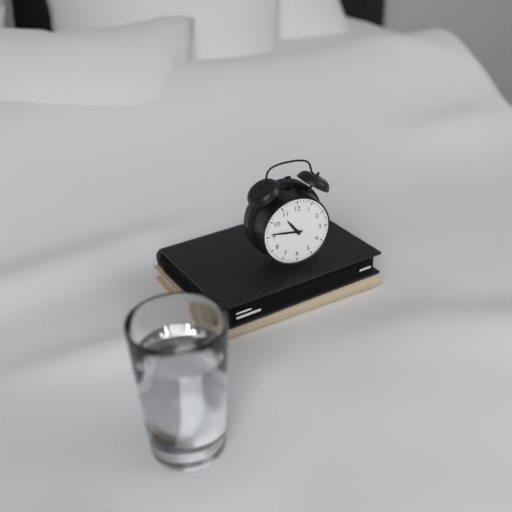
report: 10,46
